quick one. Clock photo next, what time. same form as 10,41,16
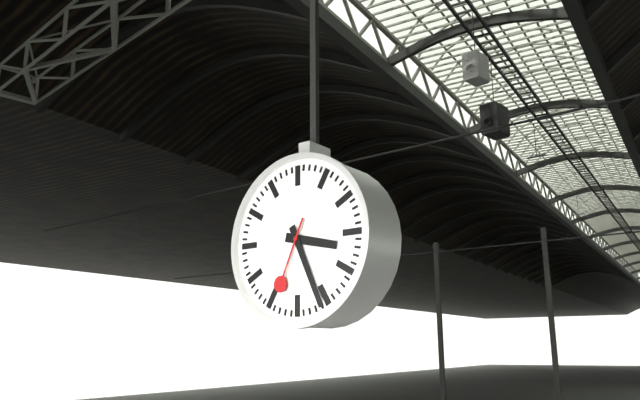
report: 3,26,34
